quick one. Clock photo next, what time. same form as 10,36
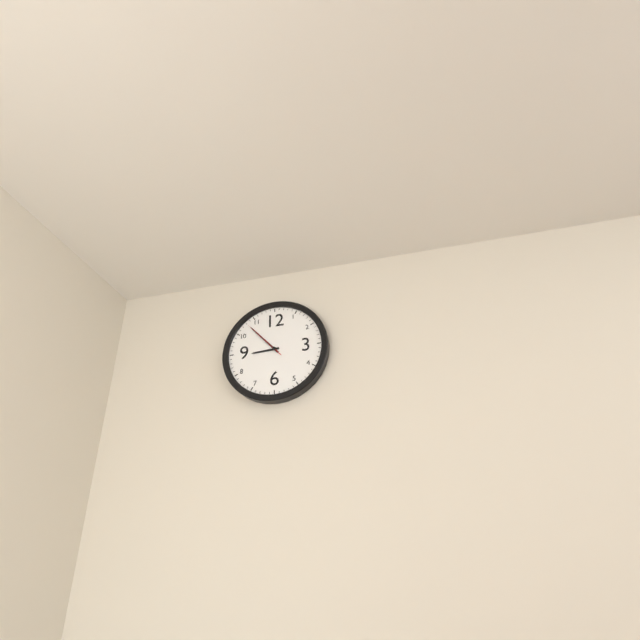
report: 8,53
